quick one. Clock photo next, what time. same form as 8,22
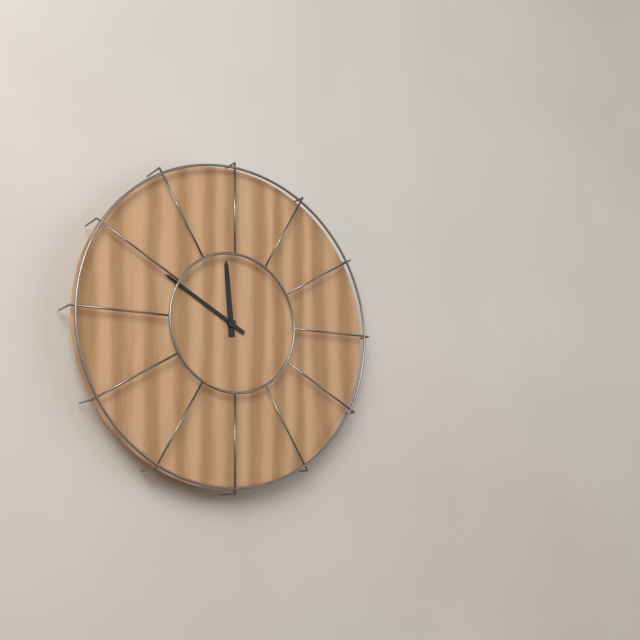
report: 11,50
